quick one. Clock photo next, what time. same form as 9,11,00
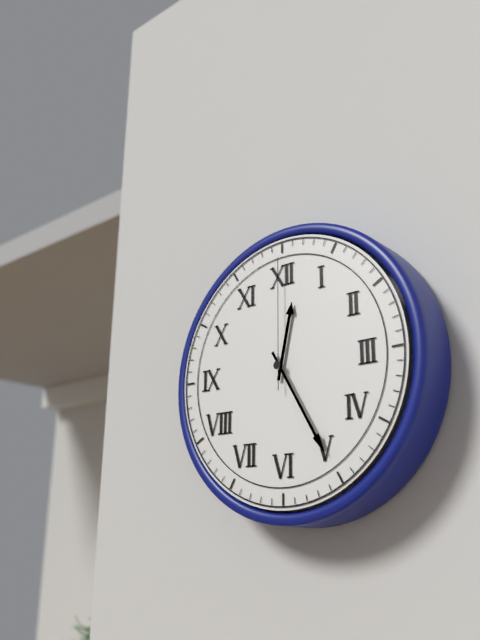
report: 12,25,00
